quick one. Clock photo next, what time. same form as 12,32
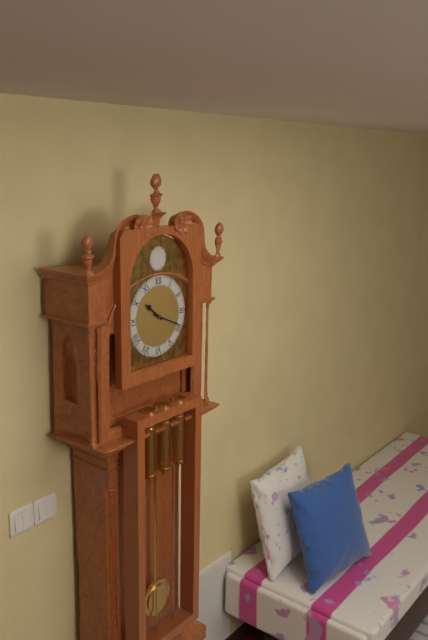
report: 10,19
